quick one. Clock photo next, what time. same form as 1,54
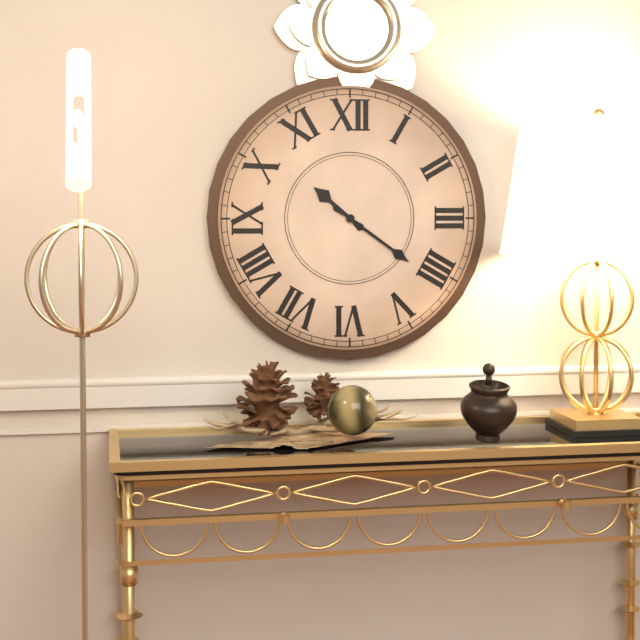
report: 10,21
